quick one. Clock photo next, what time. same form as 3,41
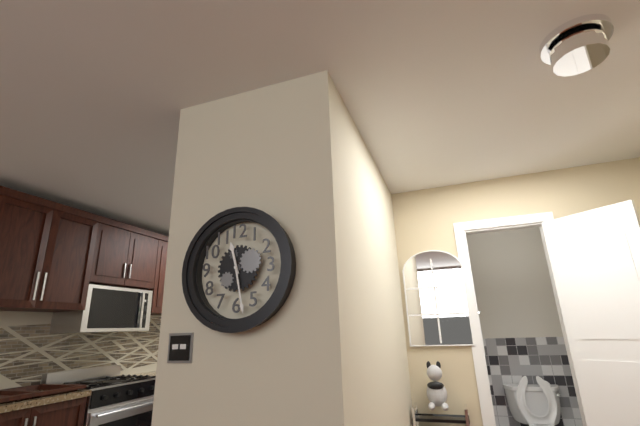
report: 11,28
